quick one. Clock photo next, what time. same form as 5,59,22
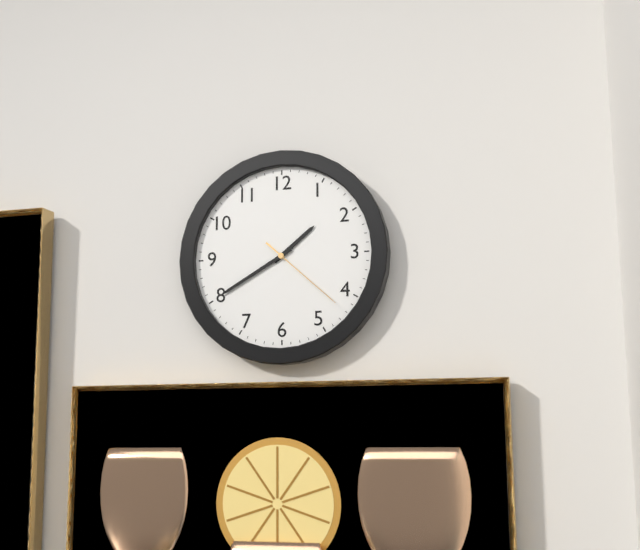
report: 1,40,22
